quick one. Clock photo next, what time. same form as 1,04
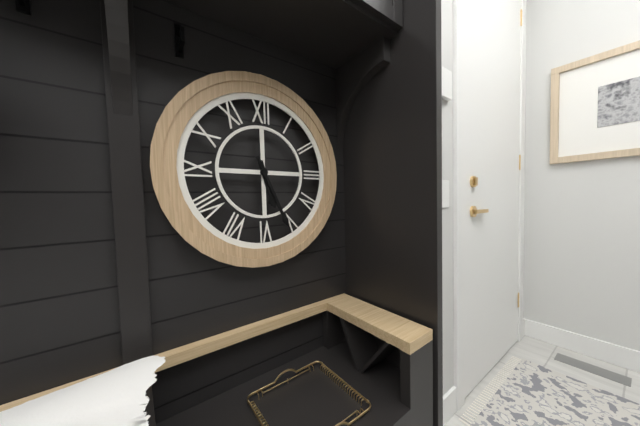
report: 5,26
